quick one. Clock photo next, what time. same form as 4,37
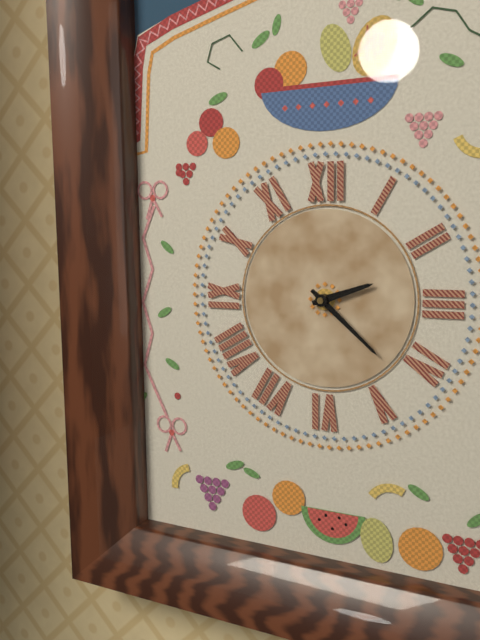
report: 2,22
